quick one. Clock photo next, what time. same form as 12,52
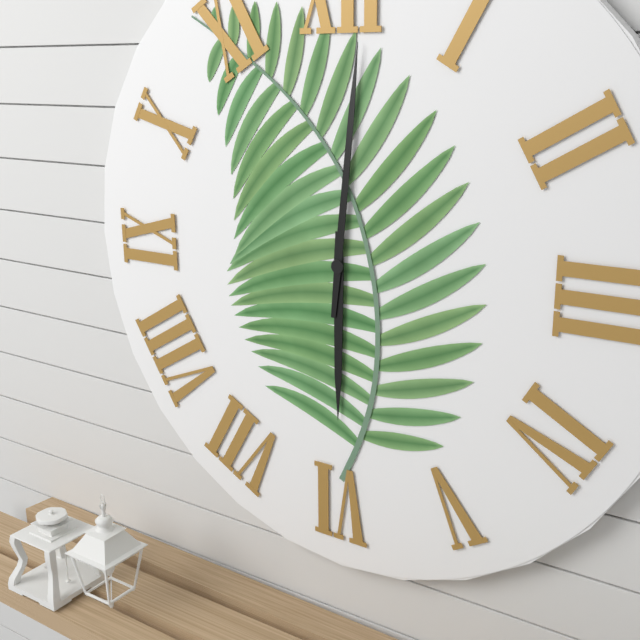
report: 6,01
